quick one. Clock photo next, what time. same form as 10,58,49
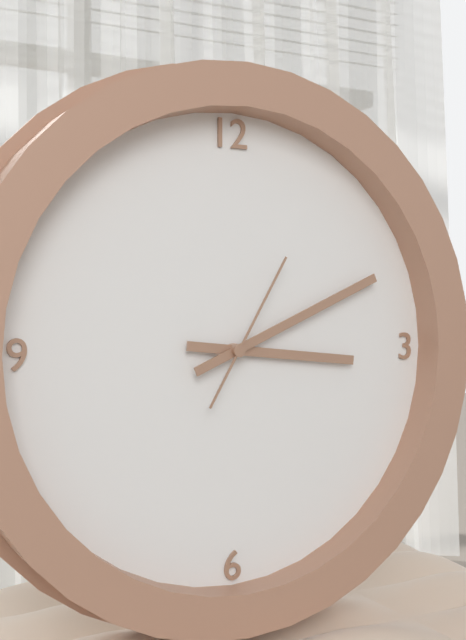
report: 3,11,05
